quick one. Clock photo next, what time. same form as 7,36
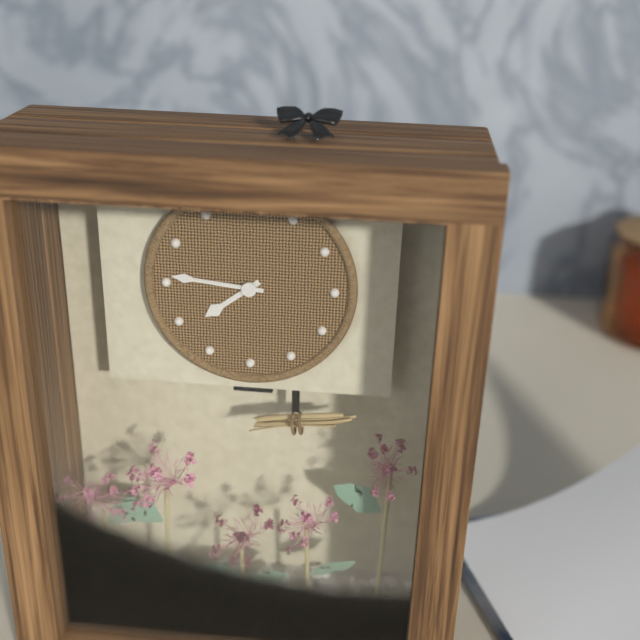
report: 7,46
